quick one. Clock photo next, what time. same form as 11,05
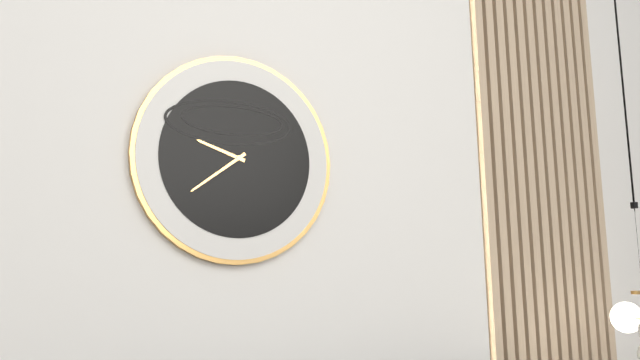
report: 9,39
